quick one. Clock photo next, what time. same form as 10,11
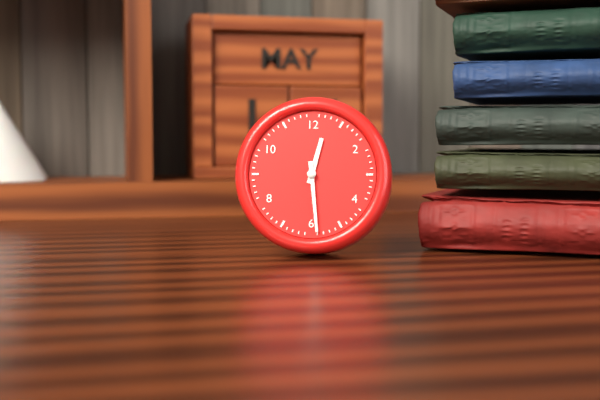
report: 12,29
